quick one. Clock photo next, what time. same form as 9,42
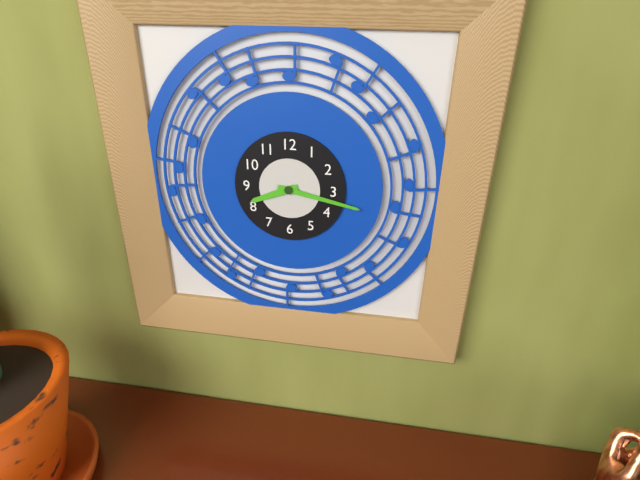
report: 8,17
